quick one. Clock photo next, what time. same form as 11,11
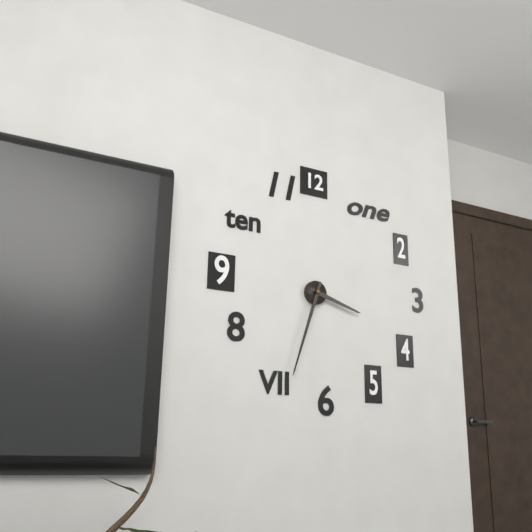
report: 3,33
